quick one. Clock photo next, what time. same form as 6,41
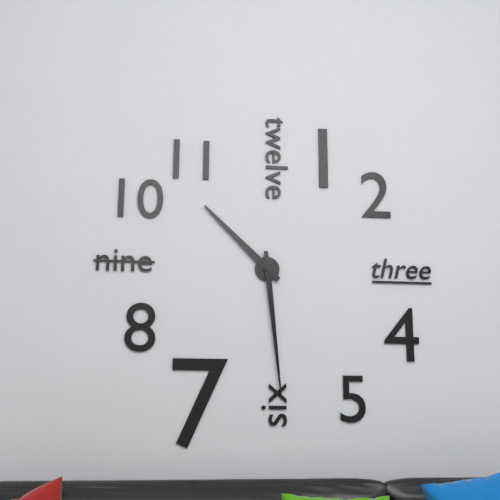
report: 10,29
